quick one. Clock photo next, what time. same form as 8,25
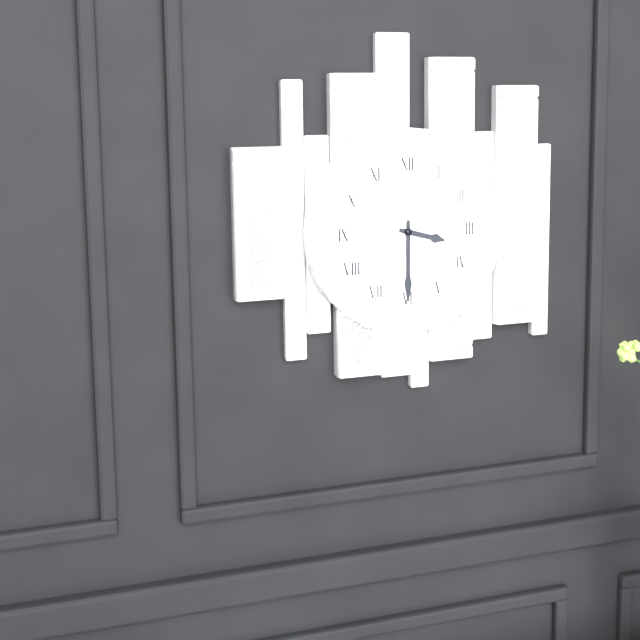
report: 3,30
